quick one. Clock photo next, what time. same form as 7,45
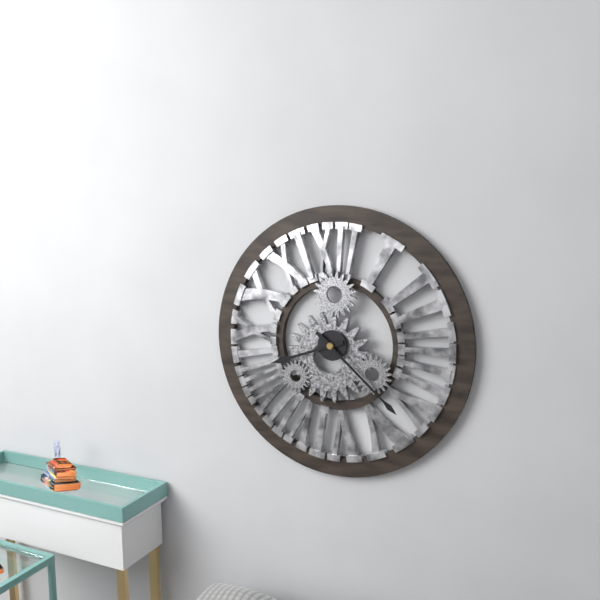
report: 8,22
